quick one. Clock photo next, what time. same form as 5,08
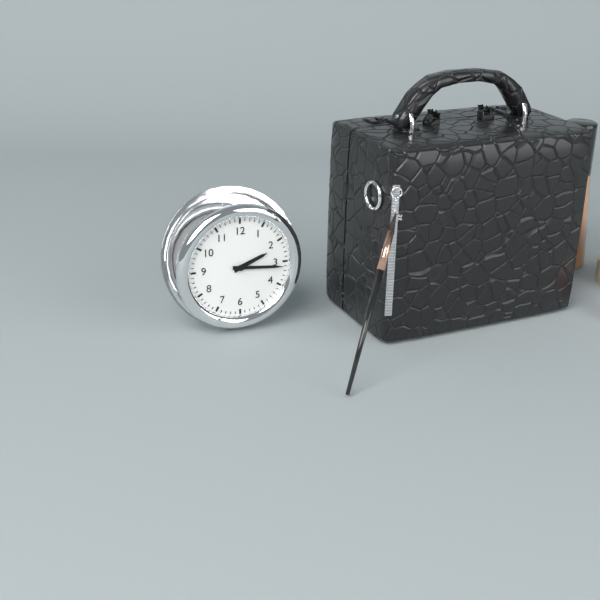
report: 2,16
